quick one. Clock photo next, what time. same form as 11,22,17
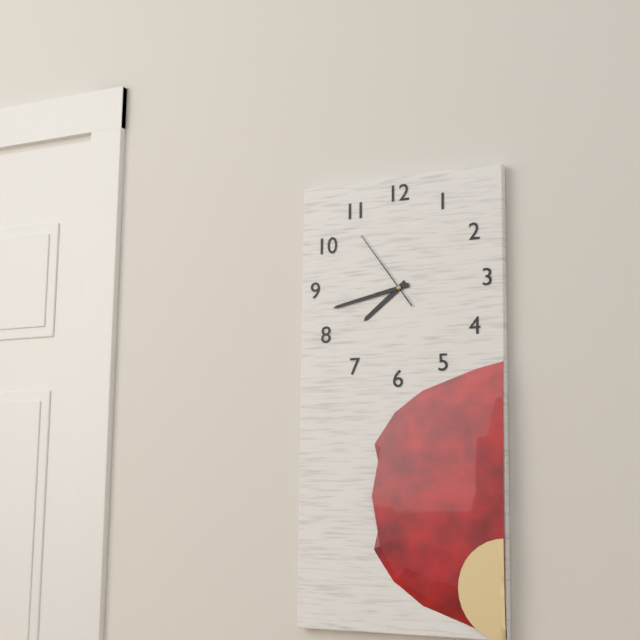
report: 7,43,54
